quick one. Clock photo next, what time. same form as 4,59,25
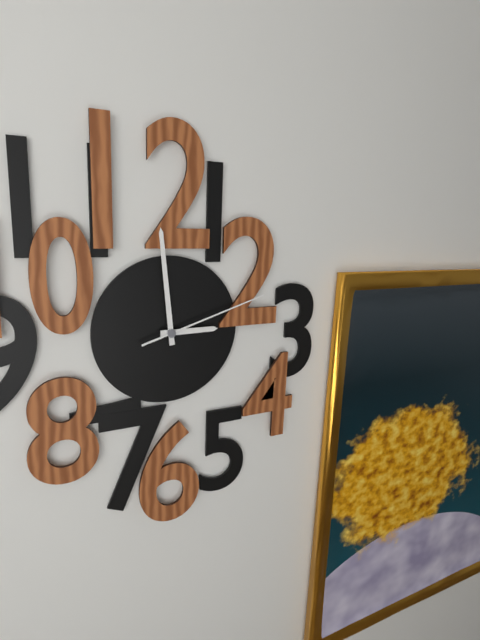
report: 2,59,12
